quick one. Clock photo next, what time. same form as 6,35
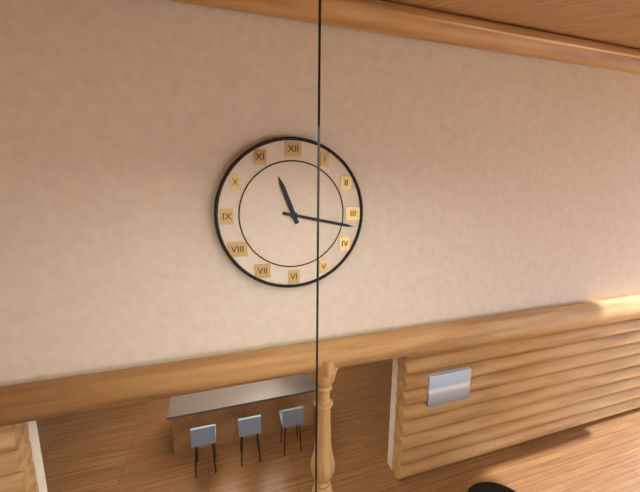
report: 11,17
